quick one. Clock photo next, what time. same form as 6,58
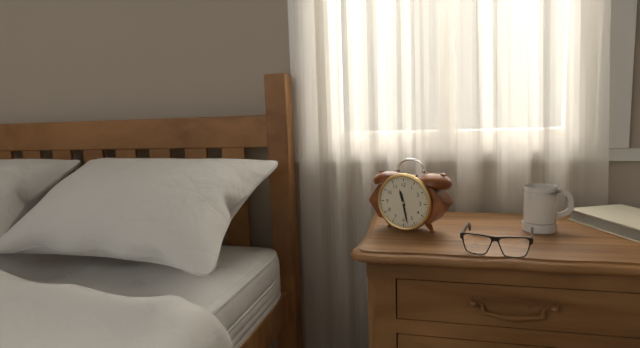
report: 11,28
